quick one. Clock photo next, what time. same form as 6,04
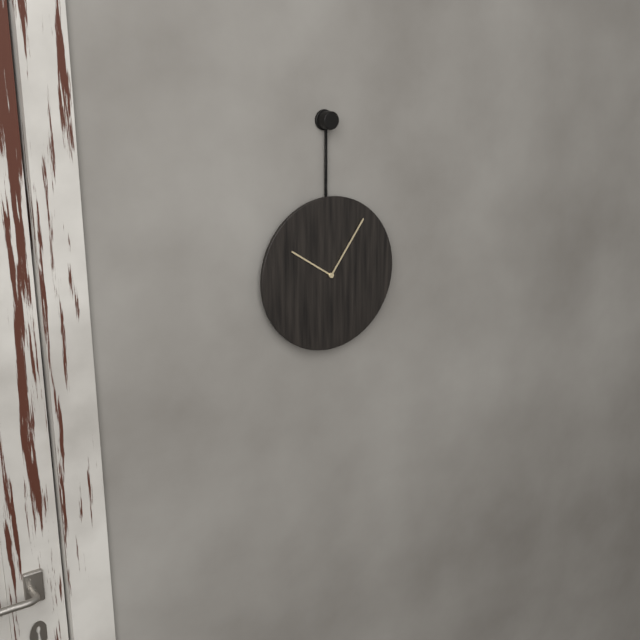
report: 10,06
